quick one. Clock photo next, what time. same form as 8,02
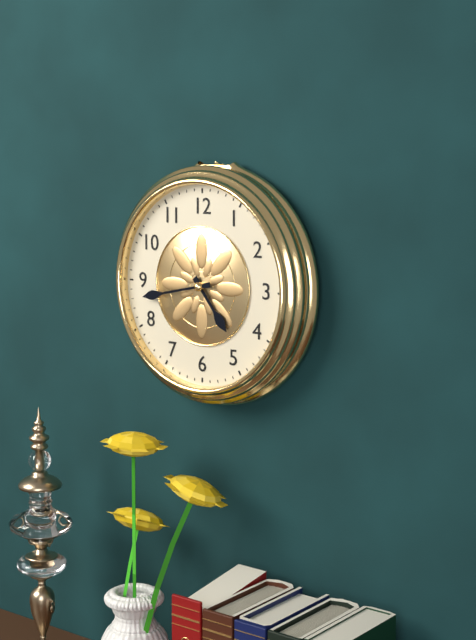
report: 4,43
